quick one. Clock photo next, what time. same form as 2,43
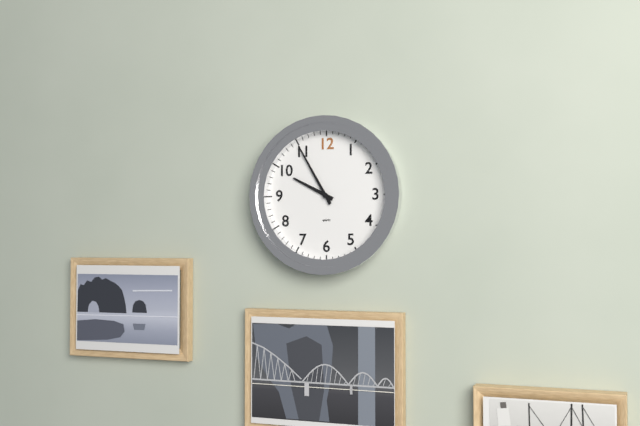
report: 9,55
